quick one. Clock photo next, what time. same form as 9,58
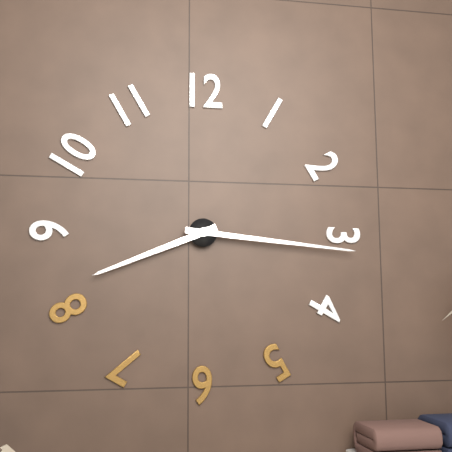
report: 8,16
